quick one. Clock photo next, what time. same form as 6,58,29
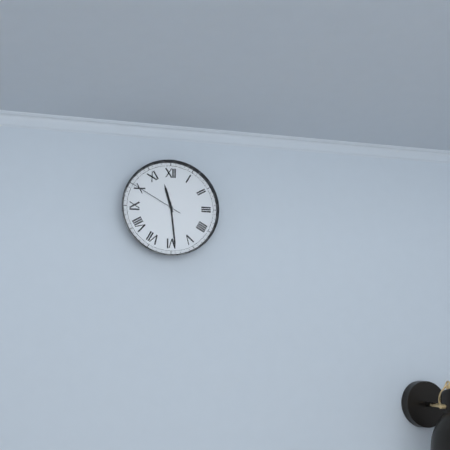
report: 11,29,50
